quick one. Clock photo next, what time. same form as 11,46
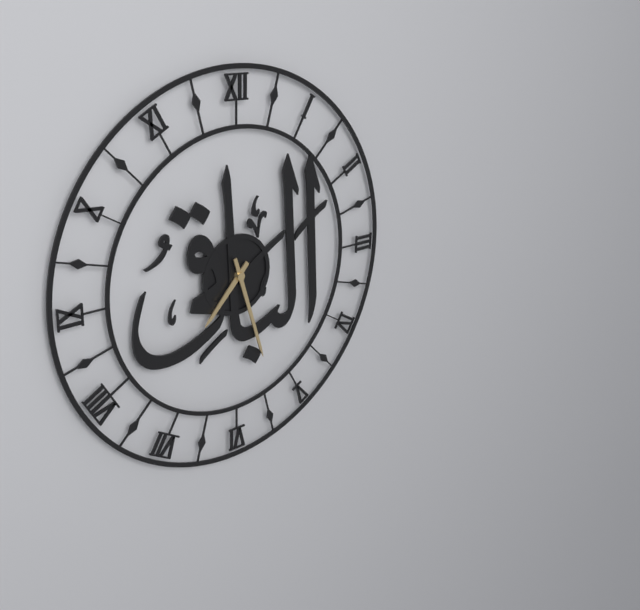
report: 7,27
